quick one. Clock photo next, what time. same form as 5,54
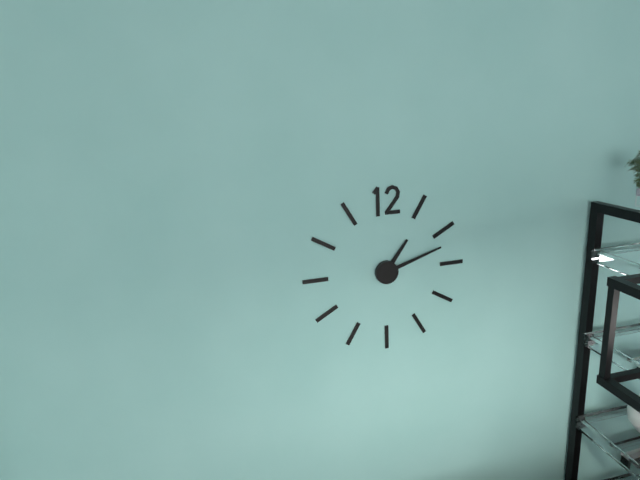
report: 1,12
